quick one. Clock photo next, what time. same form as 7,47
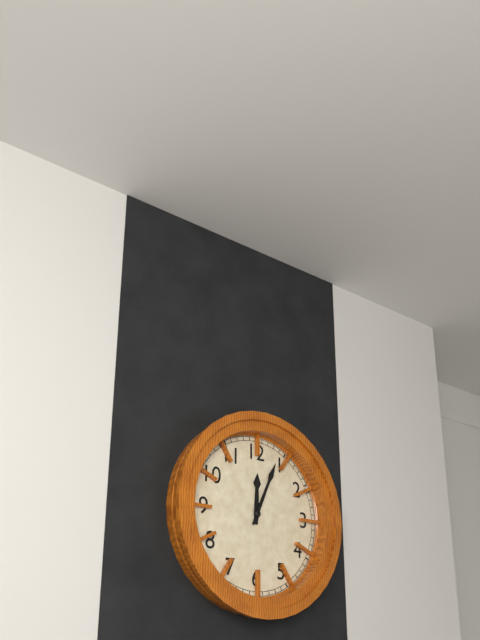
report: 12,04
